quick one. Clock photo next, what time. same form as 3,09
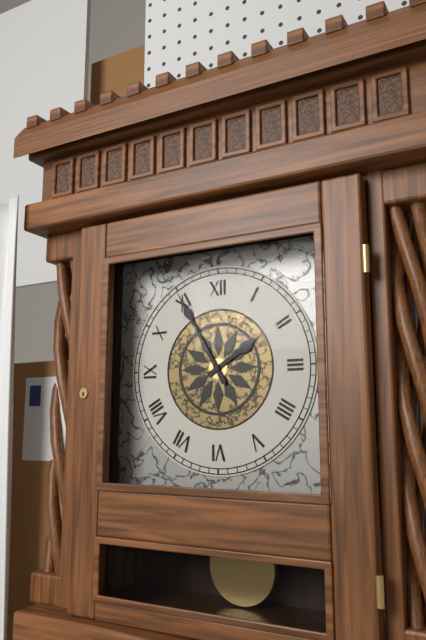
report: 1,55
